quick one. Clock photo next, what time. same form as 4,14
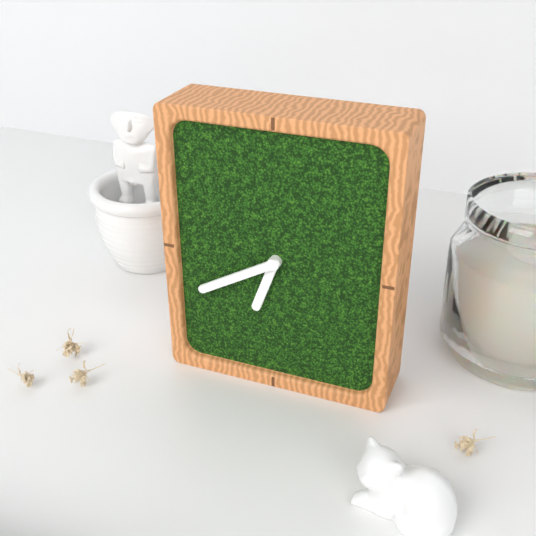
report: 6,40
